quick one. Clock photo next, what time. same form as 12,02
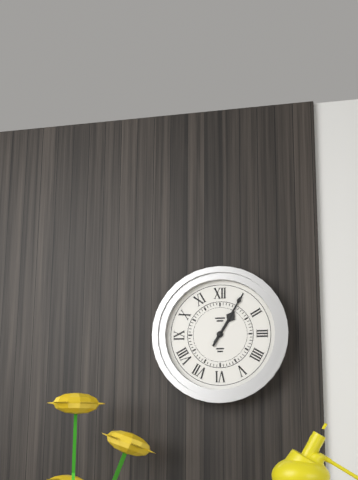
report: 1,05
